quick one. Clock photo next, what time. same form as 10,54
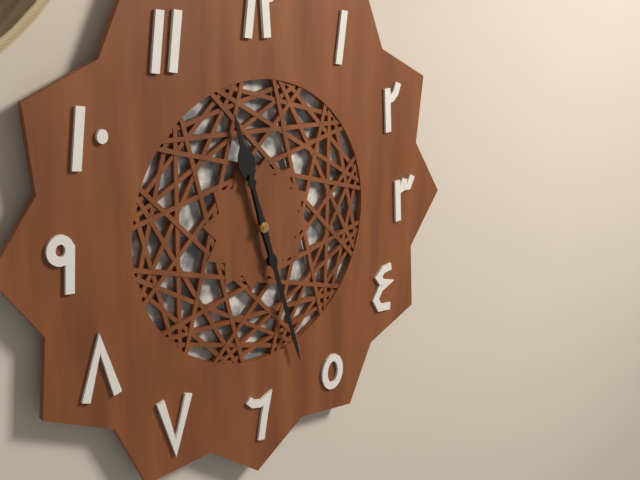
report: 11,27
